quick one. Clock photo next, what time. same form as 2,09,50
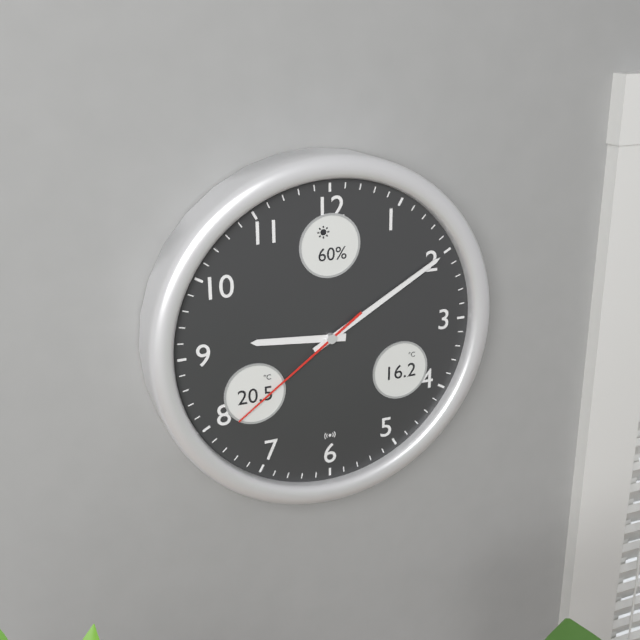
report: 9,10,39
